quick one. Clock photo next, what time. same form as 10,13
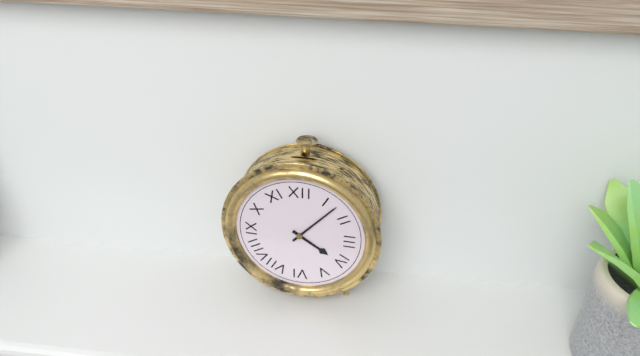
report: 4,07
